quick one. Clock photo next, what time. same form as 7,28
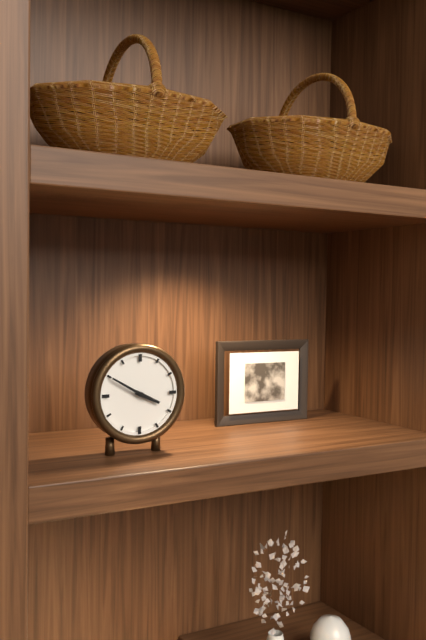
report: 3,50
